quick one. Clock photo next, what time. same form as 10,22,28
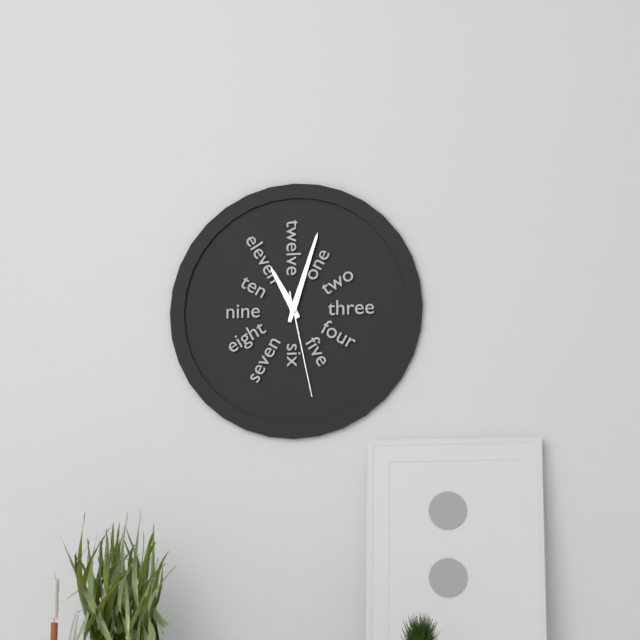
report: 11,03,28
